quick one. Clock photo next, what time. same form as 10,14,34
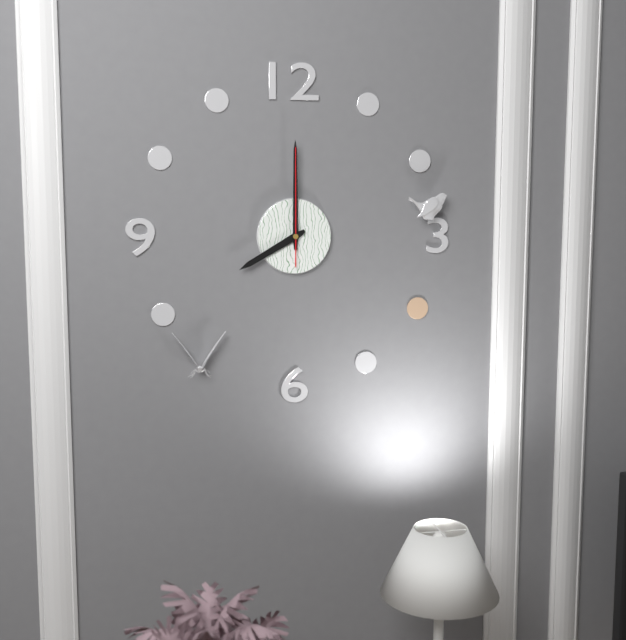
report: 8,00,00
